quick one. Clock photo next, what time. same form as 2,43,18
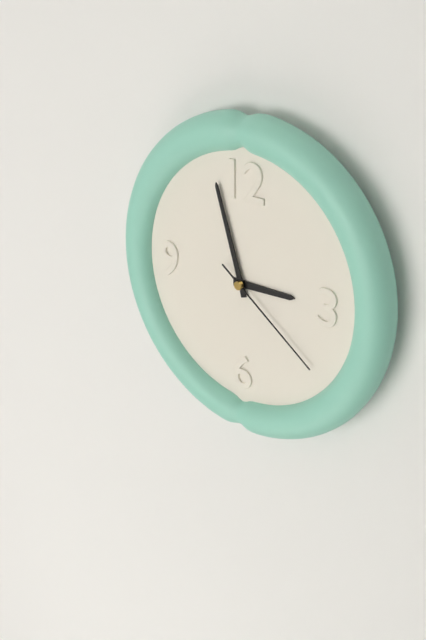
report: 2,57,21
